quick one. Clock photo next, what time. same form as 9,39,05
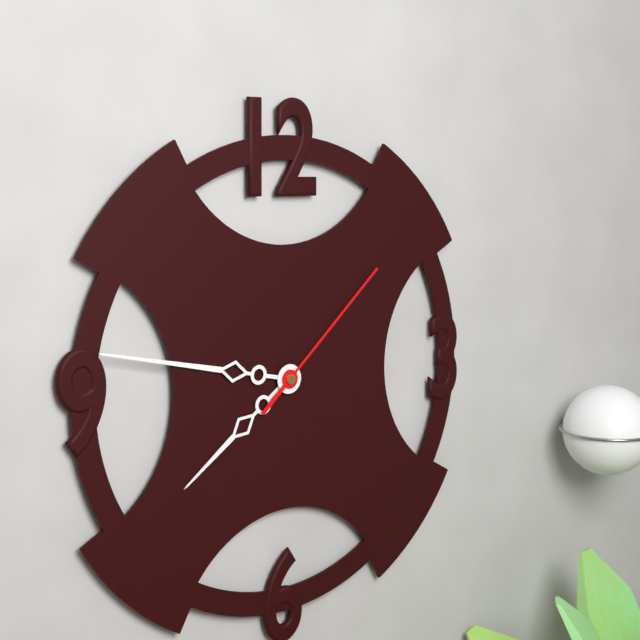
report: 7,47,08
